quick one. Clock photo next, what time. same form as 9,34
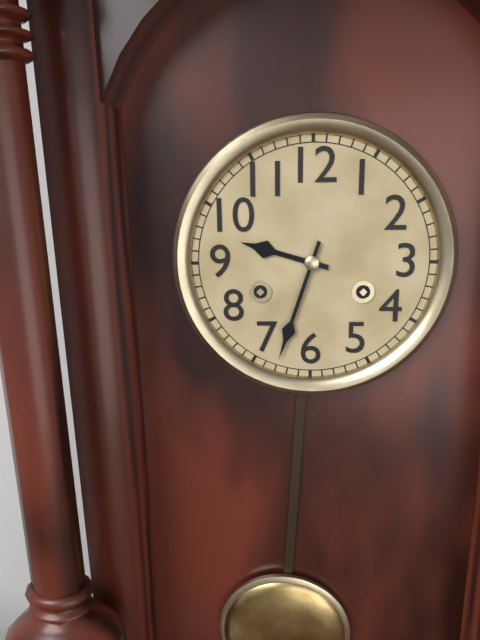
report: 9,33
